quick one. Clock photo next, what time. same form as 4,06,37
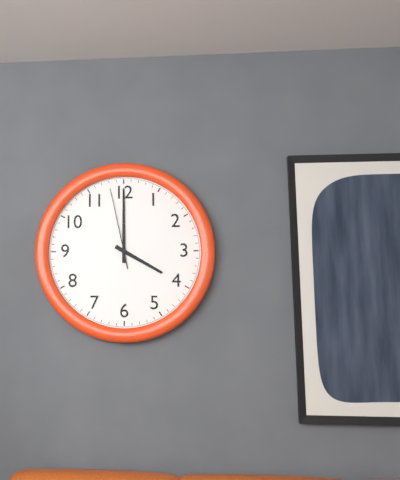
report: 4,00,58
